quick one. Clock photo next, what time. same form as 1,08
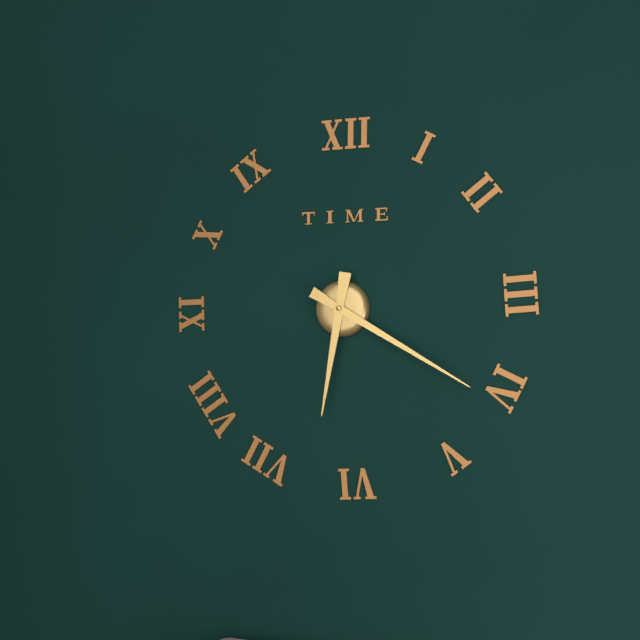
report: 6,20
